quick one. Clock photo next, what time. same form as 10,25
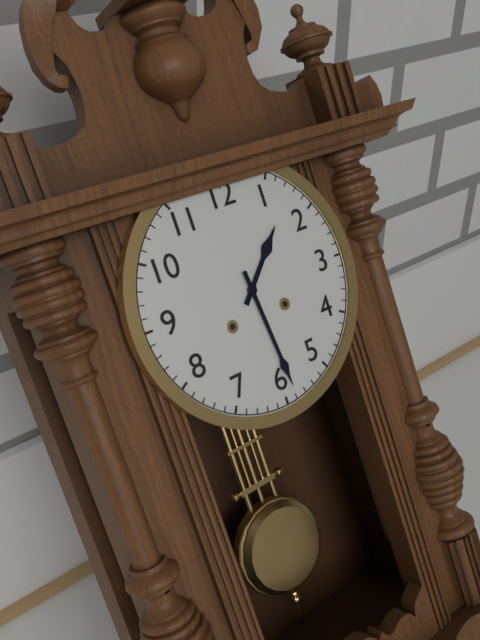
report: 1,29
